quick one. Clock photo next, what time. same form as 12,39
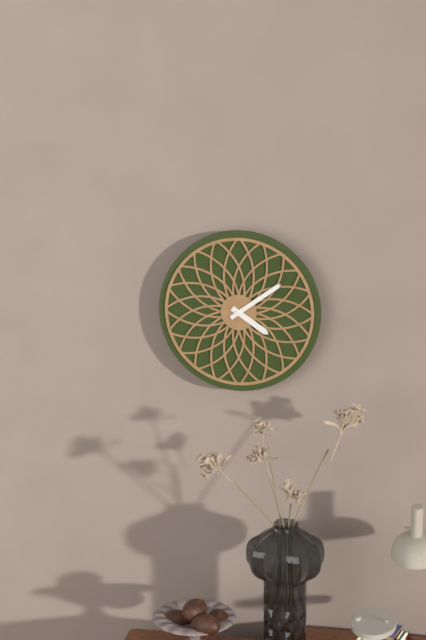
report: 4,09
